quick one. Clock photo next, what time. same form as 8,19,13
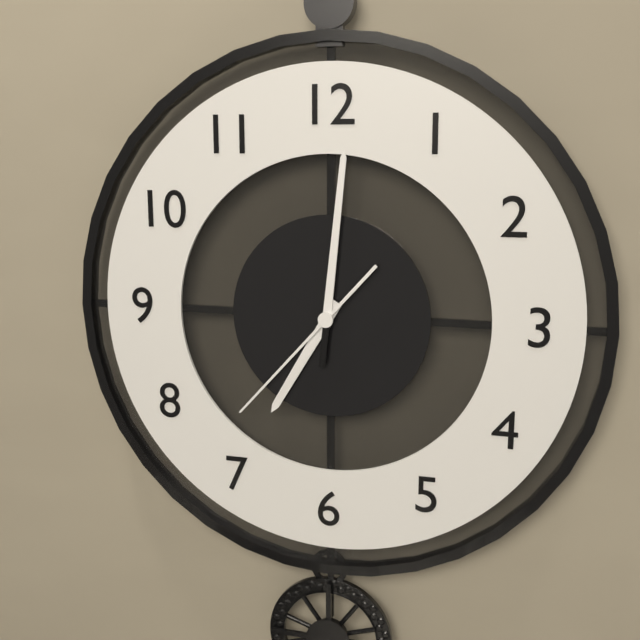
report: 7,01,37
